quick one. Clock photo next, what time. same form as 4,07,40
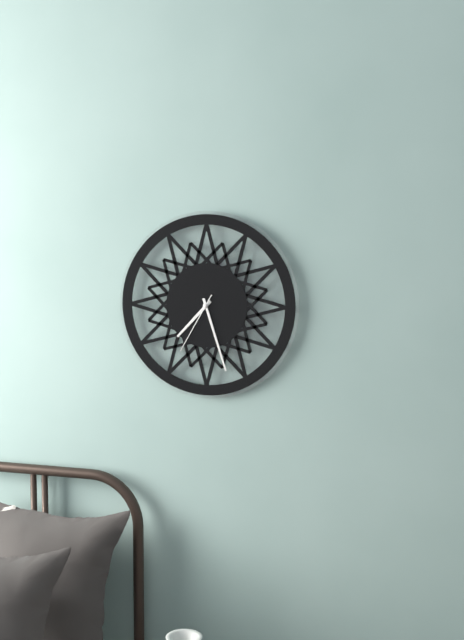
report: 7,27,35
